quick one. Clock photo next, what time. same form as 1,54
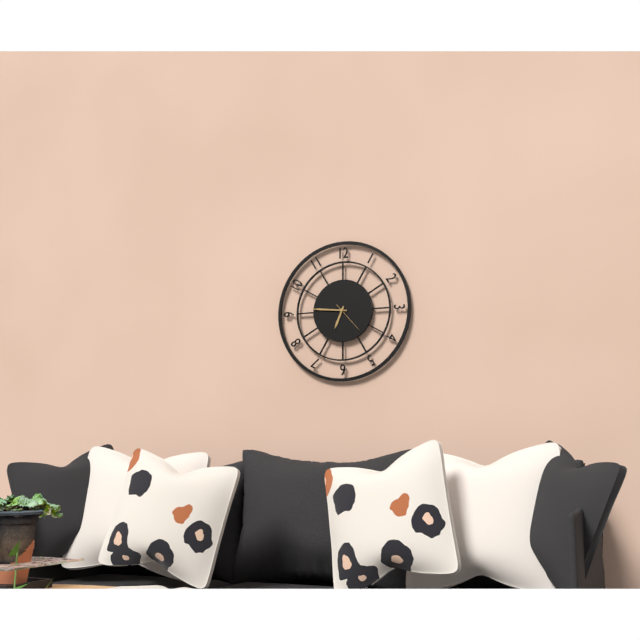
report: 6,46
